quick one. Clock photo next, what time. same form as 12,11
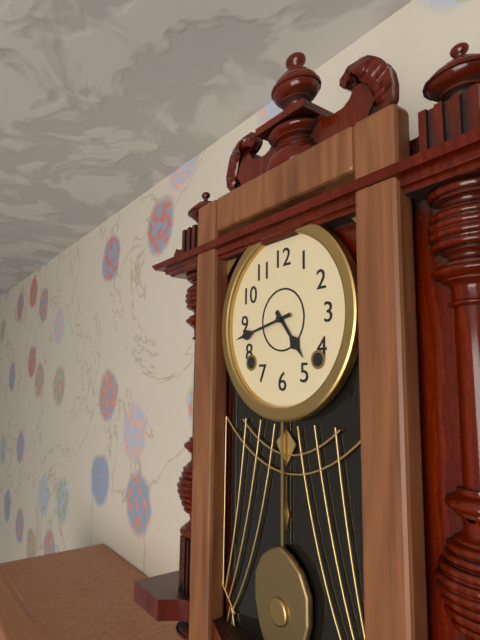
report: 4,43
